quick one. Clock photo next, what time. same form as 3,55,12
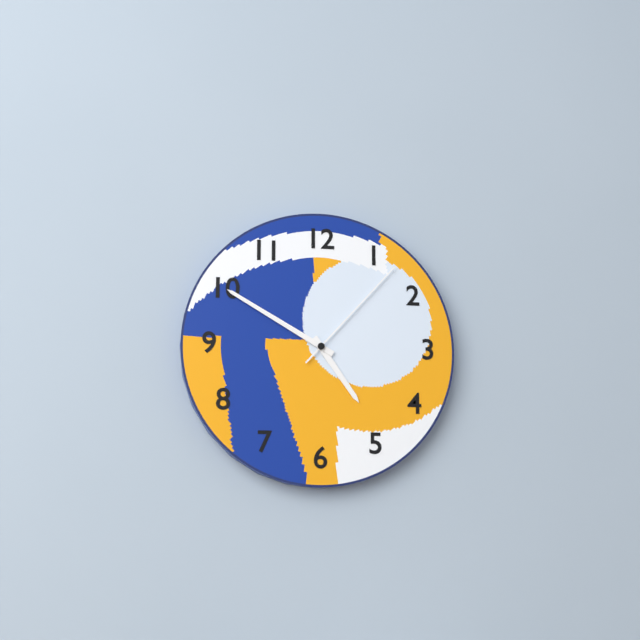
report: 4,50,07
